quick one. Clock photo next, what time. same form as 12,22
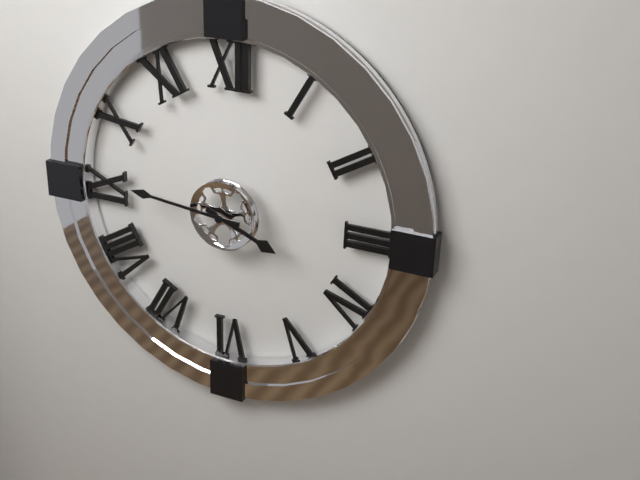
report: 3,46
